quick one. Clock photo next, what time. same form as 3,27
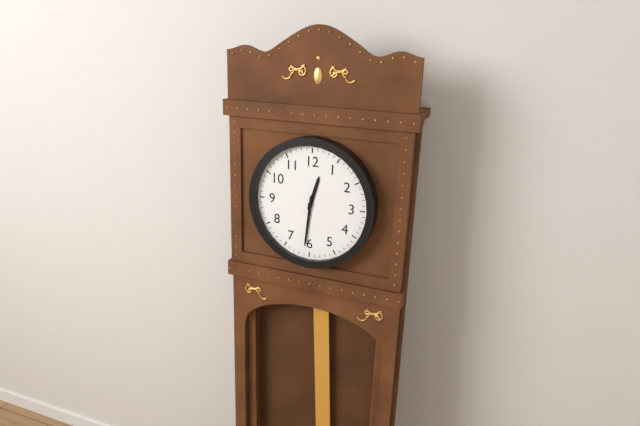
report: 12,31
